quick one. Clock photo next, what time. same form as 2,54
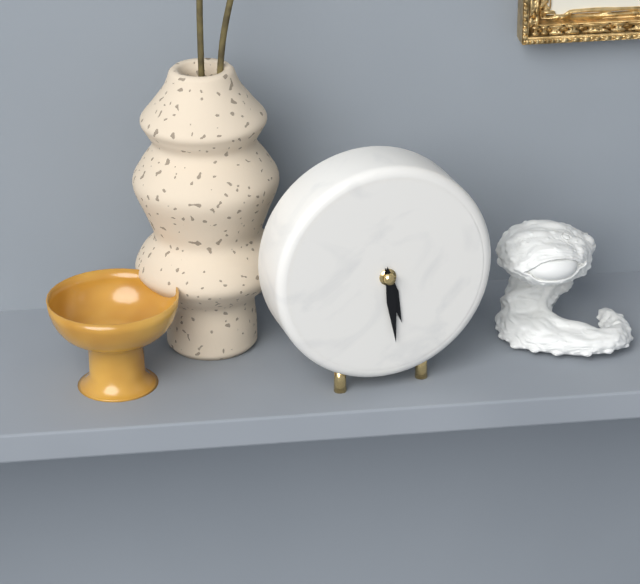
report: 5,29
